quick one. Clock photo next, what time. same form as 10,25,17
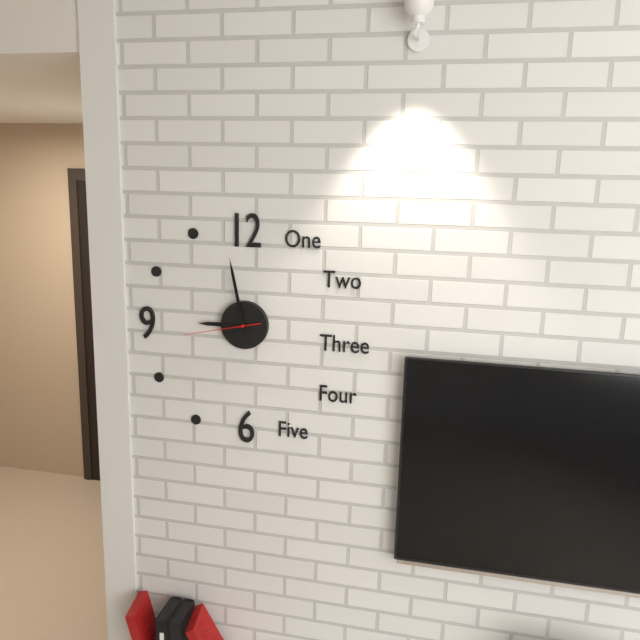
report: 8,58,43
